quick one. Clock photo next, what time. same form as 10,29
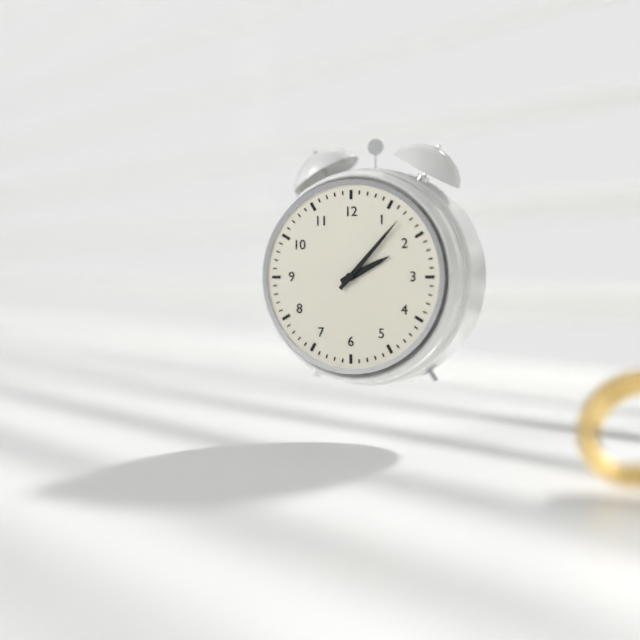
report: 2,07
